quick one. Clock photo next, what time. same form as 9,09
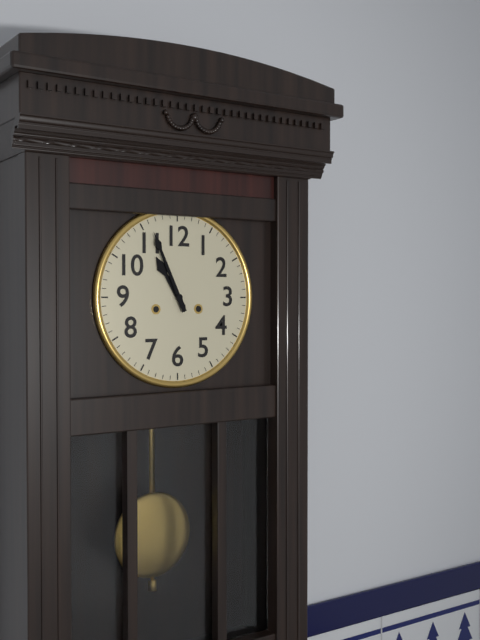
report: 10,56
